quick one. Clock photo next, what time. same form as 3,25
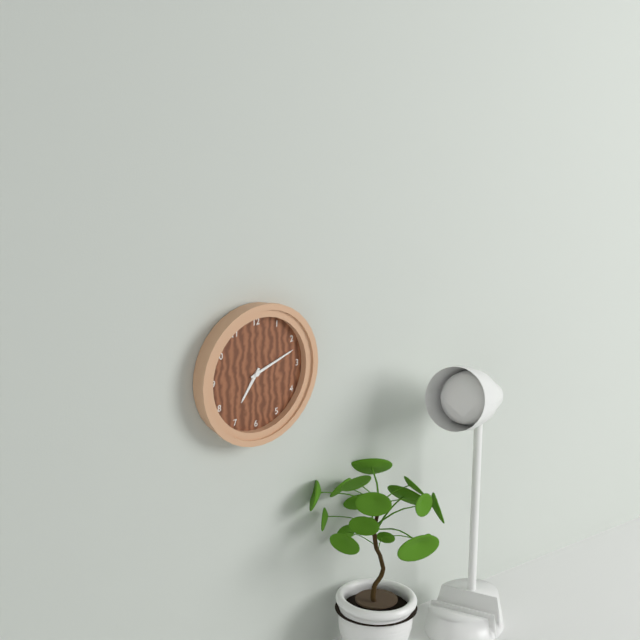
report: 7,12
